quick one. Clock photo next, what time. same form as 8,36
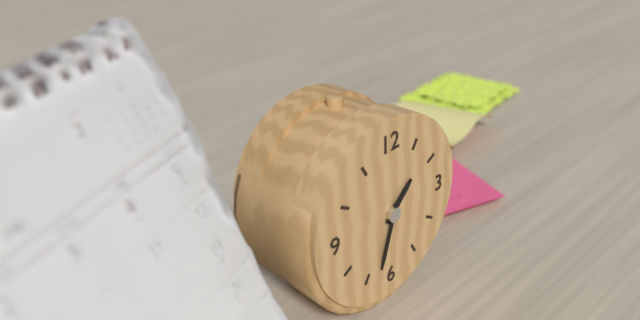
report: 1,33
